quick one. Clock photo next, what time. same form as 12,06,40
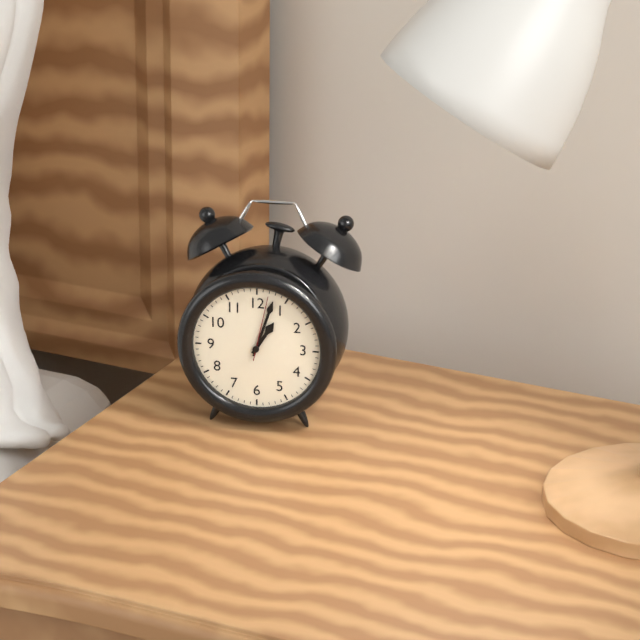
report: 1,03,02
